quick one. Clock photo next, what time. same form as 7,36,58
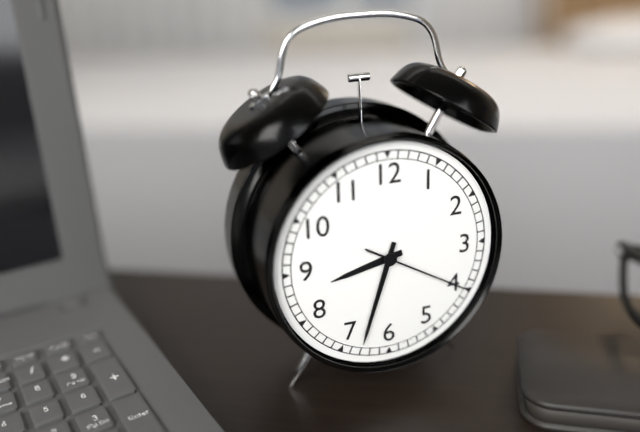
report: 8,33,20
